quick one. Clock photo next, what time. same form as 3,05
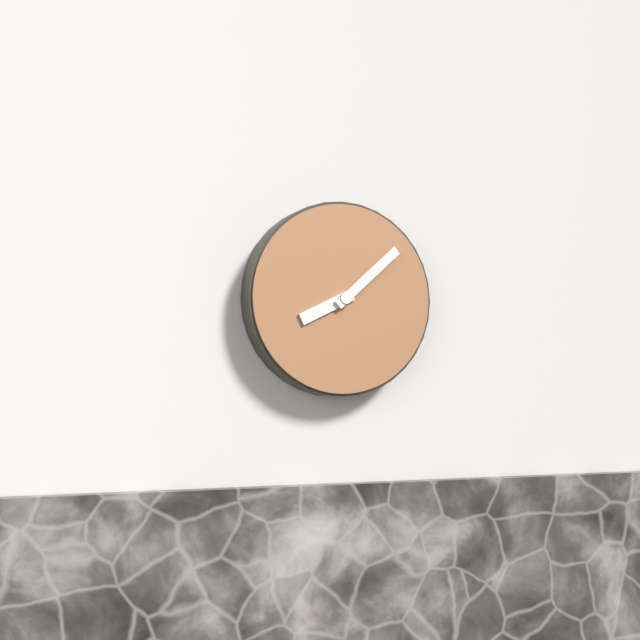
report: 8,08
